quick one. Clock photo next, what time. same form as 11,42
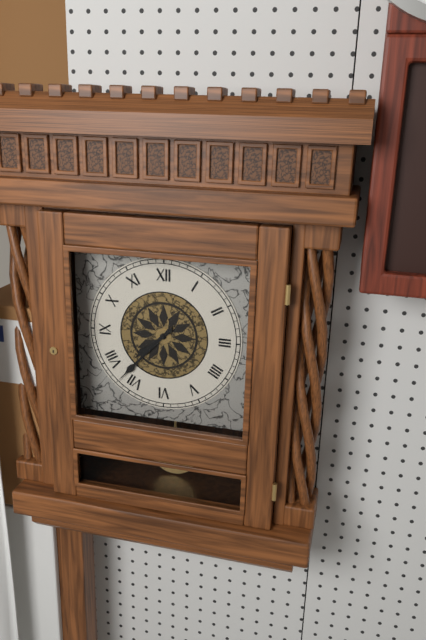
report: 7,37
